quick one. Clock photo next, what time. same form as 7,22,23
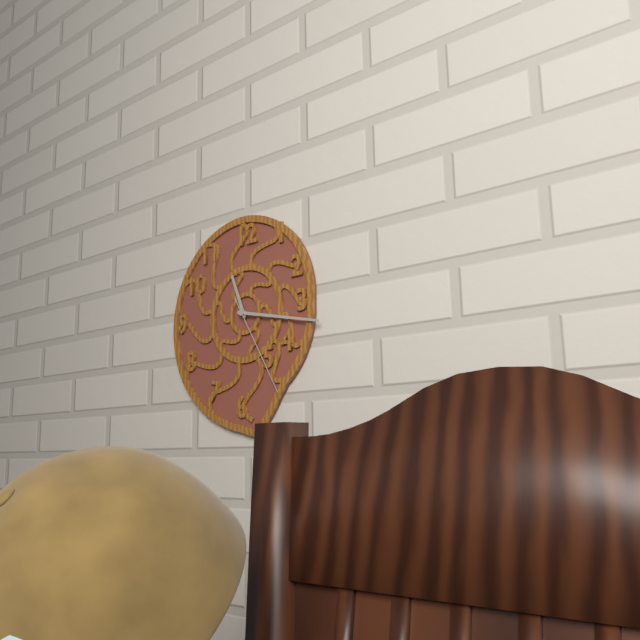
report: 11,17,25
